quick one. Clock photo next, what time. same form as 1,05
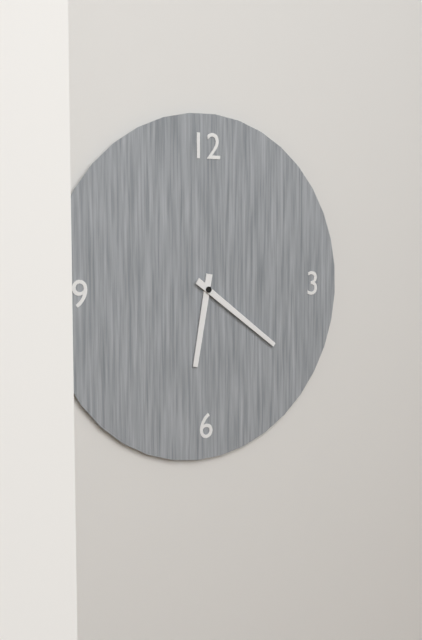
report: 6,21
